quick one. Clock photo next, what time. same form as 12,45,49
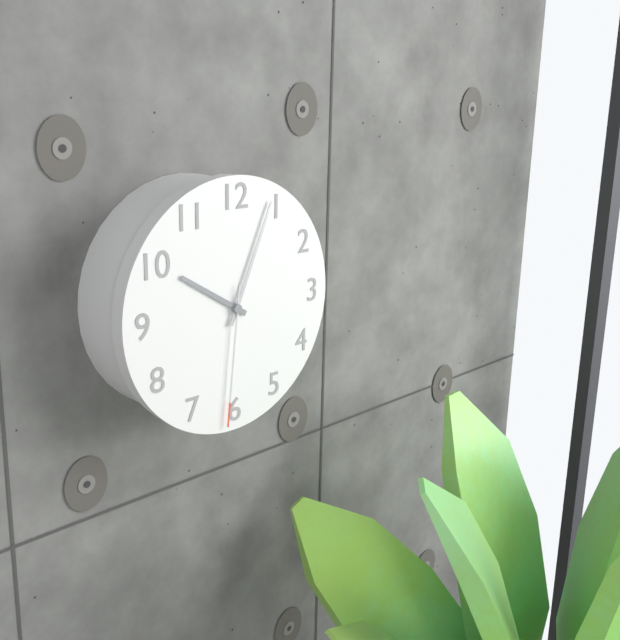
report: 10,04,31
